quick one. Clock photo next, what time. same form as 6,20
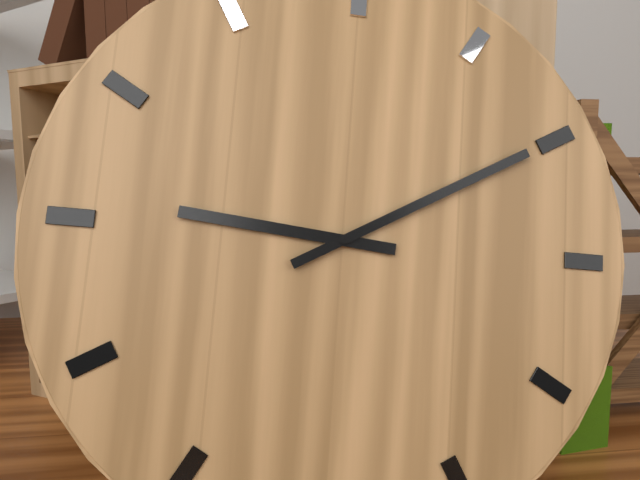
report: 9,10
